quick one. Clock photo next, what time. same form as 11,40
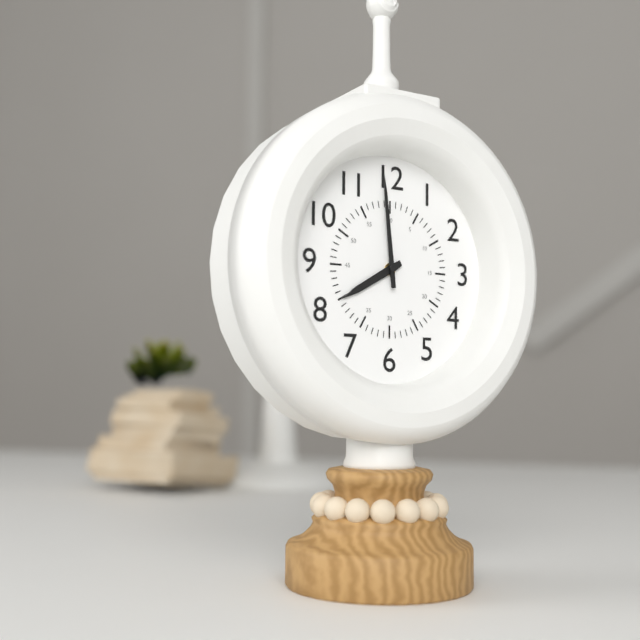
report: 7,59
